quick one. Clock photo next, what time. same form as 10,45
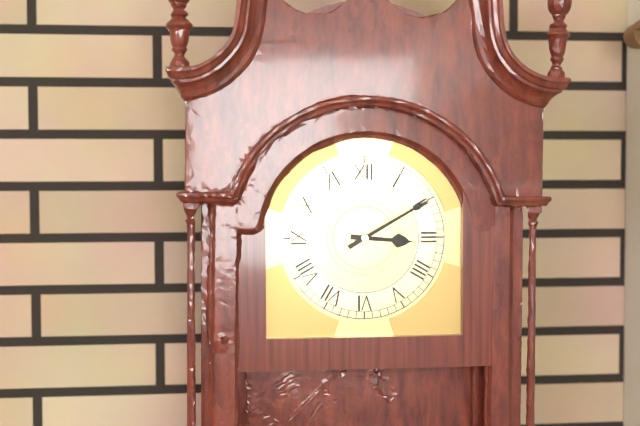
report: 3,10
